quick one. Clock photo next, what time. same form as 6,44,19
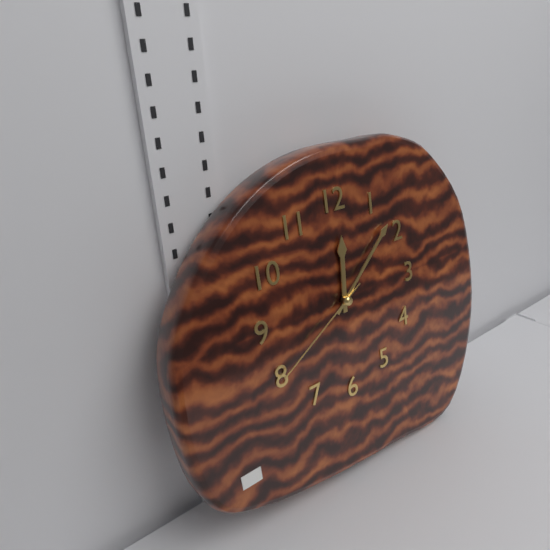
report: 12,08,40
